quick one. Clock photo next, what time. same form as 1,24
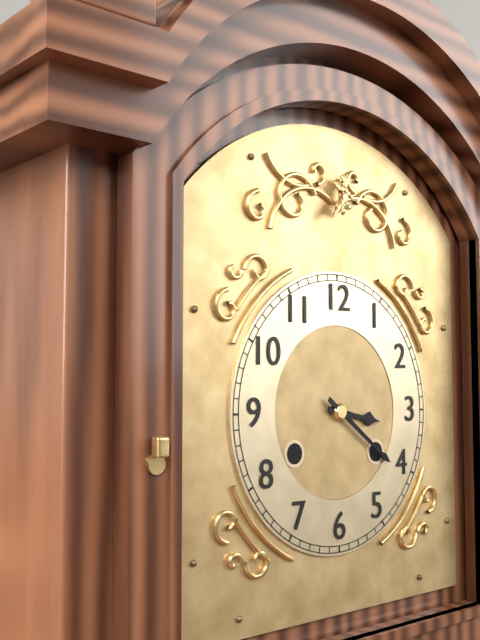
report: 3,21
